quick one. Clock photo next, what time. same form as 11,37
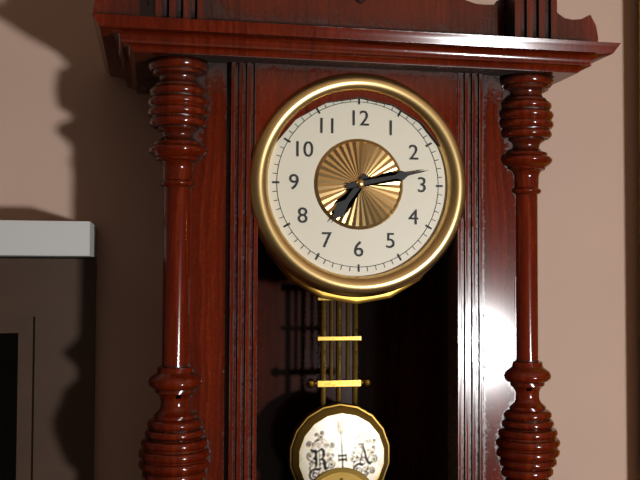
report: 7,13
